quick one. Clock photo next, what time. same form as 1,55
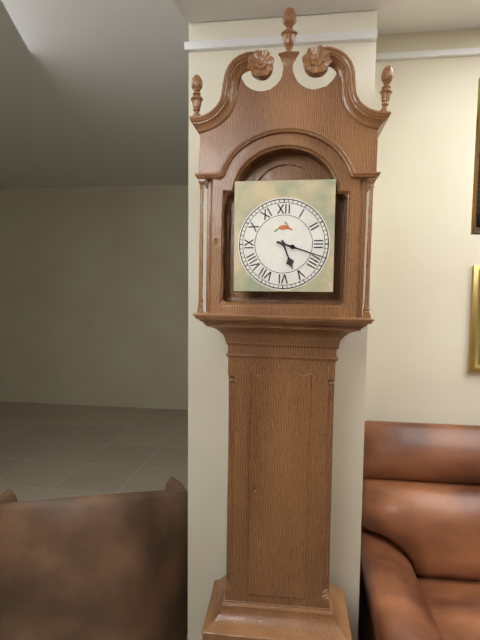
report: 5,18
